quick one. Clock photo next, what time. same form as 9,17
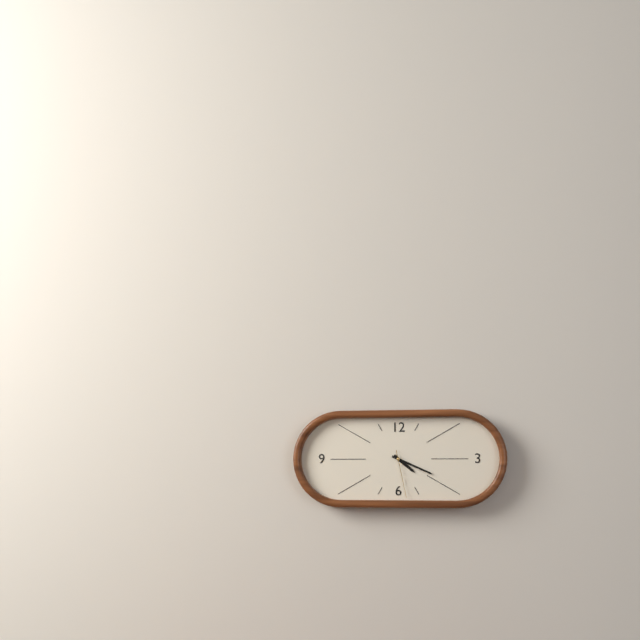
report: 4,19
